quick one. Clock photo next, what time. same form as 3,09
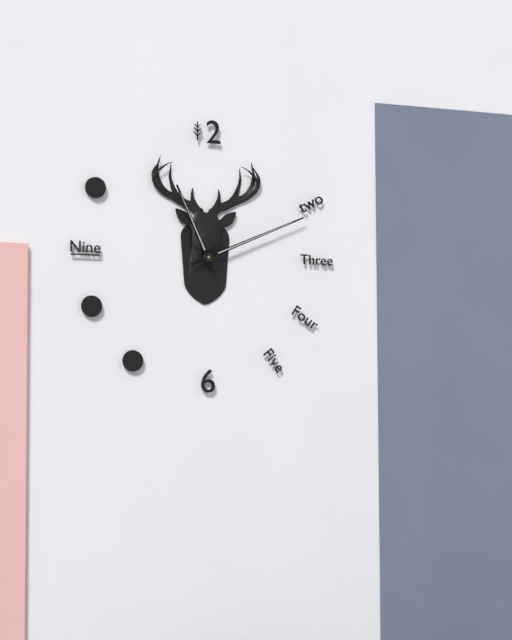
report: 11,11
